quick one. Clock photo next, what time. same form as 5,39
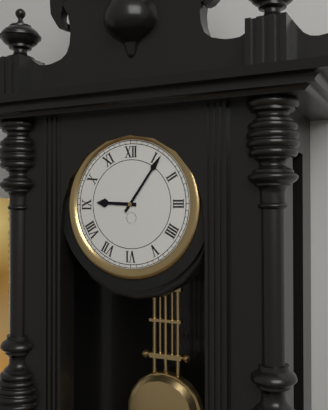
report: 9,06
